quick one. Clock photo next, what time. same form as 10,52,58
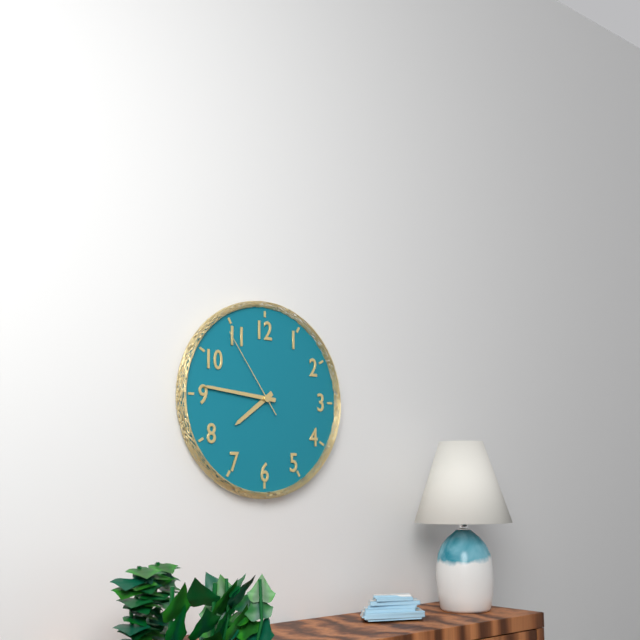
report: 7,46,54
